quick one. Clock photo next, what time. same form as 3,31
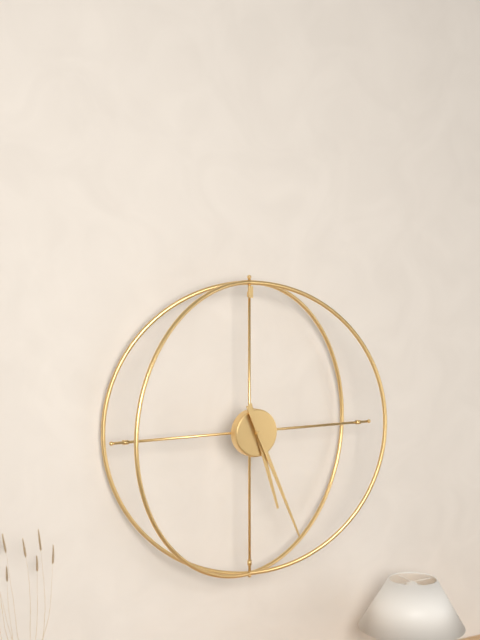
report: 5,26
